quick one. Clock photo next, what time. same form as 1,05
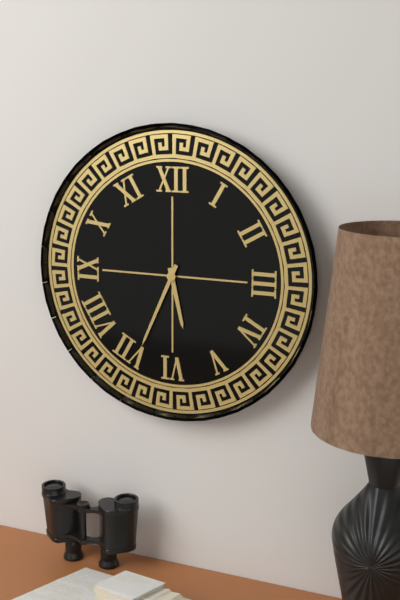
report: 5,34
